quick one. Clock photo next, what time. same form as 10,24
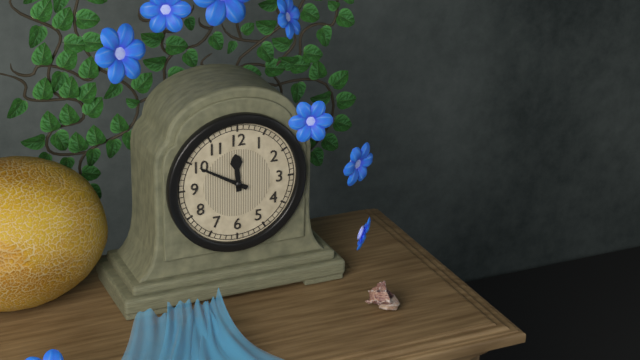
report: 11,50
